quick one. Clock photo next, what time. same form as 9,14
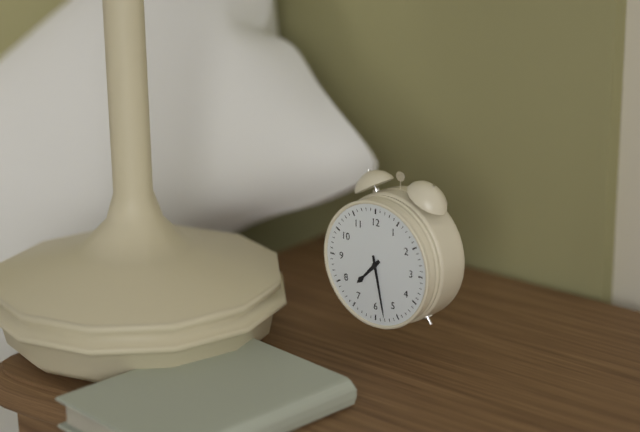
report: 7,28
